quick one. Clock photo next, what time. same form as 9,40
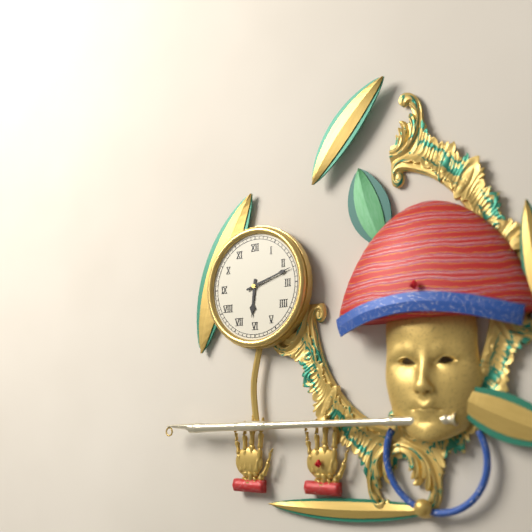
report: 6,12
